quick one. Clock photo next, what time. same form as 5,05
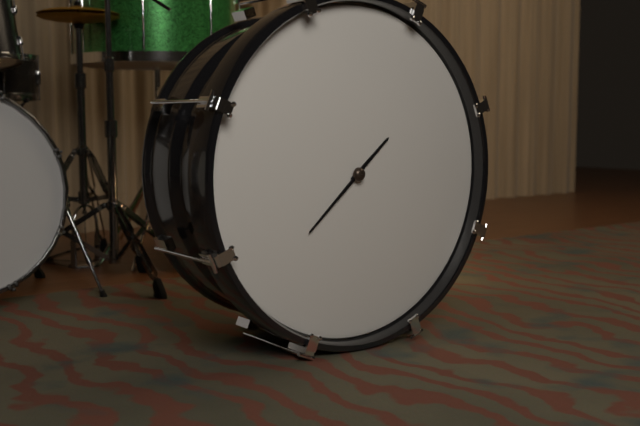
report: 1,38
